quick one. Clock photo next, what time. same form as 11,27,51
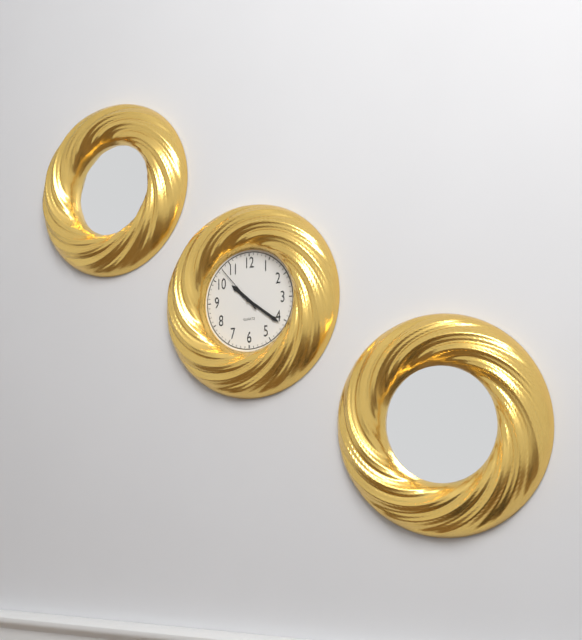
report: 10,21,53
